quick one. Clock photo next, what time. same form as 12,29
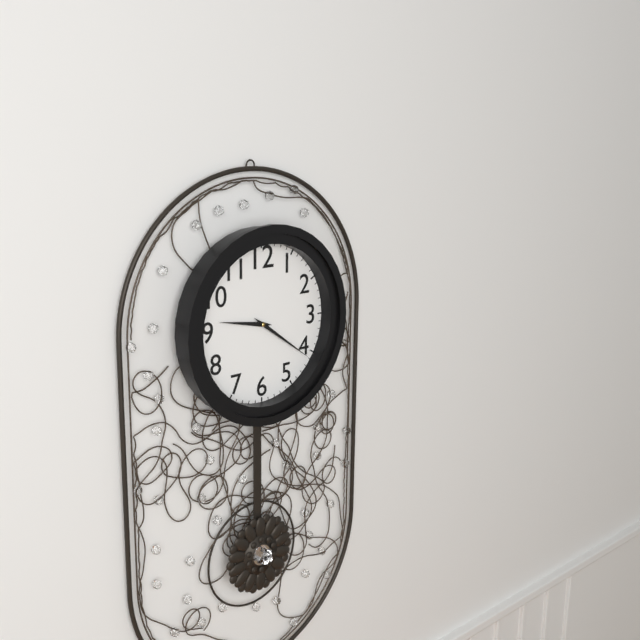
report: 9,21
